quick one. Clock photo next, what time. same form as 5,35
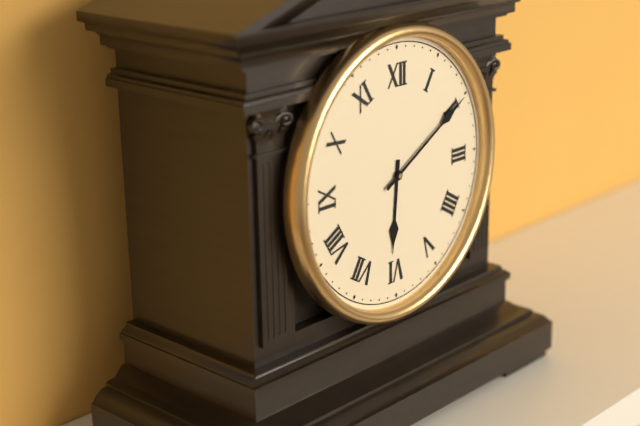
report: 6,10
